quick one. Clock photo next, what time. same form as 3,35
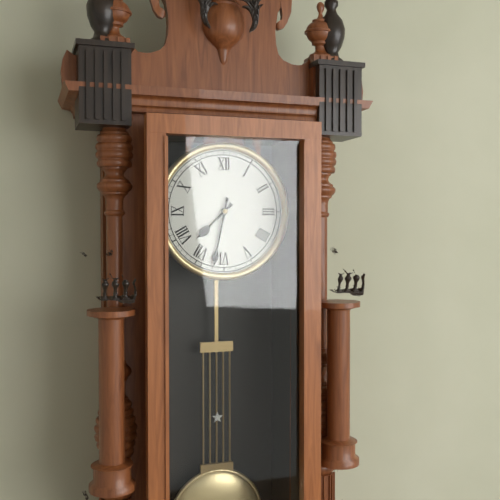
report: 7,32
